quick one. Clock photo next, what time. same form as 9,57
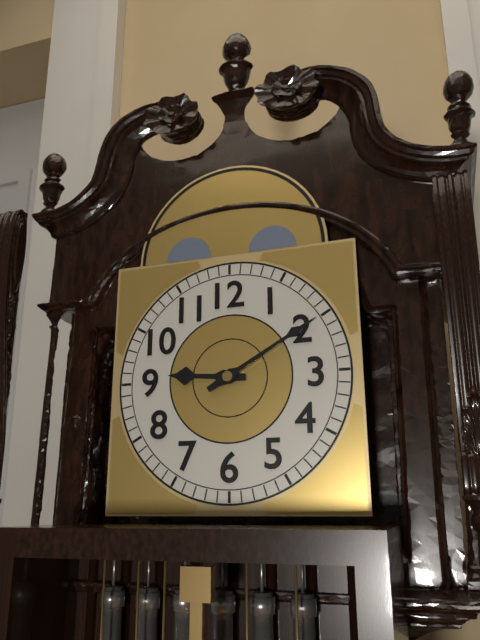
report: 9,10
